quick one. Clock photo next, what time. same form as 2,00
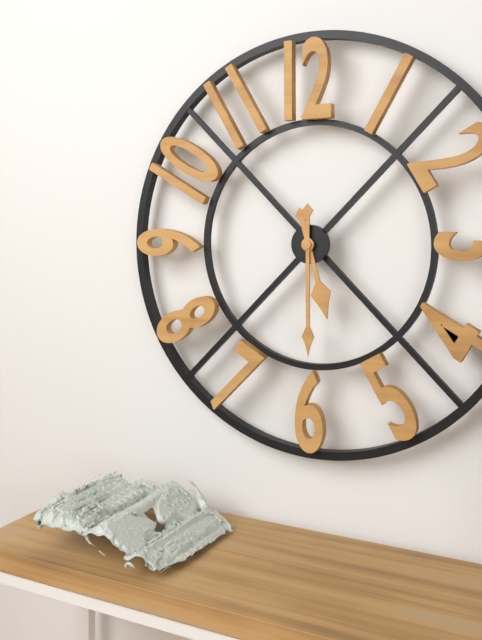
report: 5,30
